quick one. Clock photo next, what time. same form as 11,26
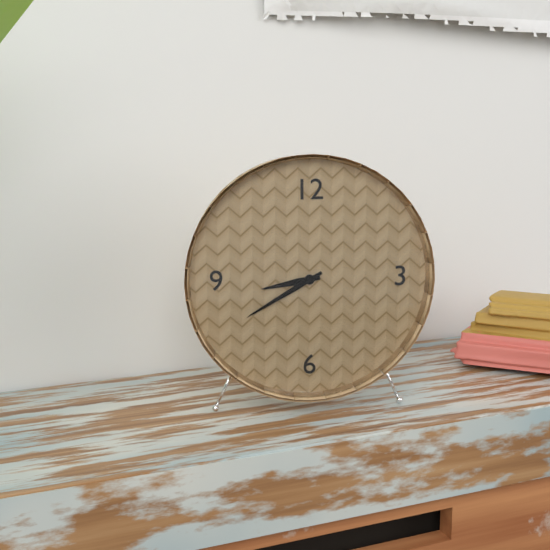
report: 8,40
